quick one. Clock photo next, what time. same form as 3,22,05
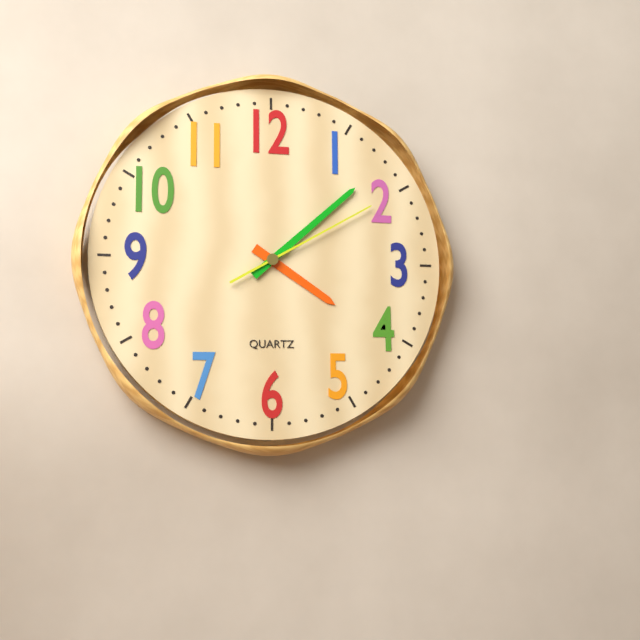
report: 4,08,10
